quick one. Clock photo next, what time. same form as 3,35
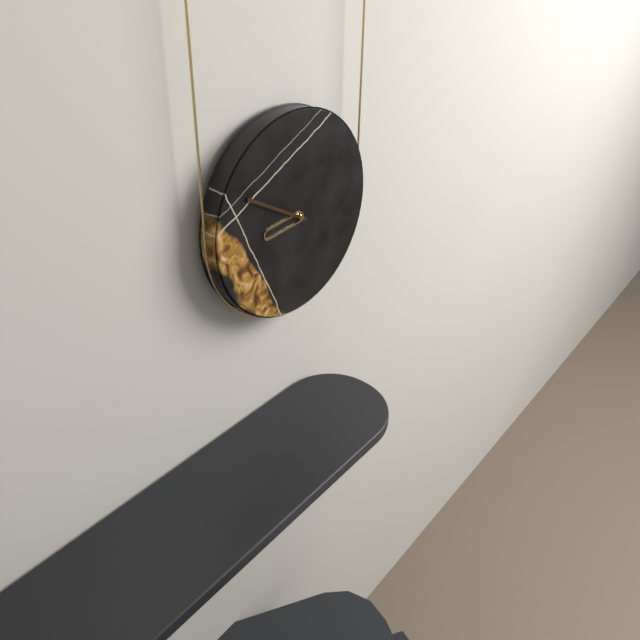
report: 8,50
